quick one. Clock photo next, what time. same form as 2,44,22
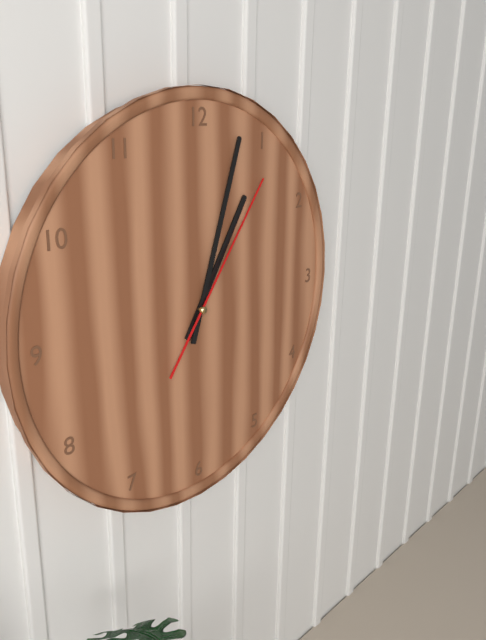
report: 1,03,06
